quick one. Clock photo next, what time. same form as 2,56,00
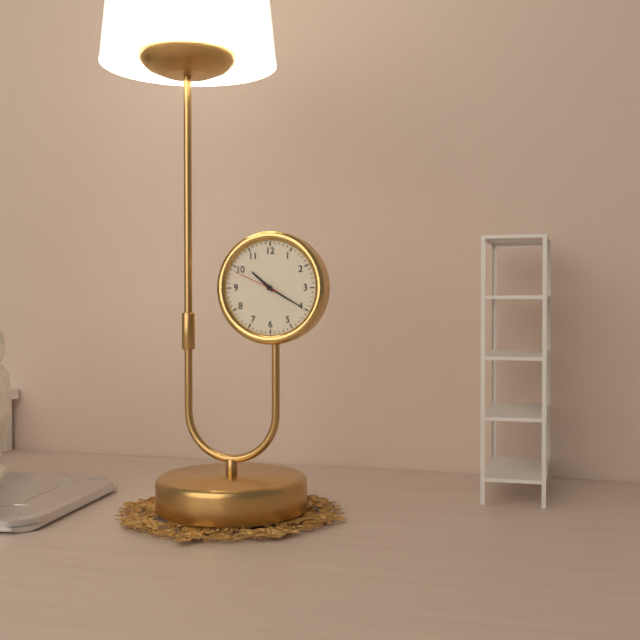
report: 10,20,49
